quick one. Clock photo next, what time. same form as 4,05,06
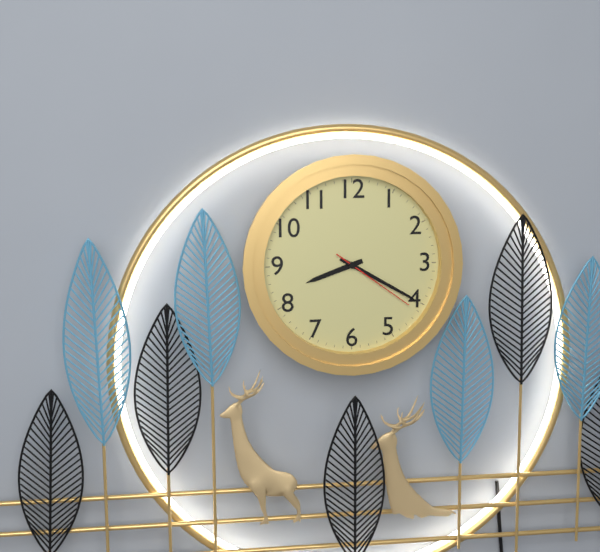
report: 8,20,21
